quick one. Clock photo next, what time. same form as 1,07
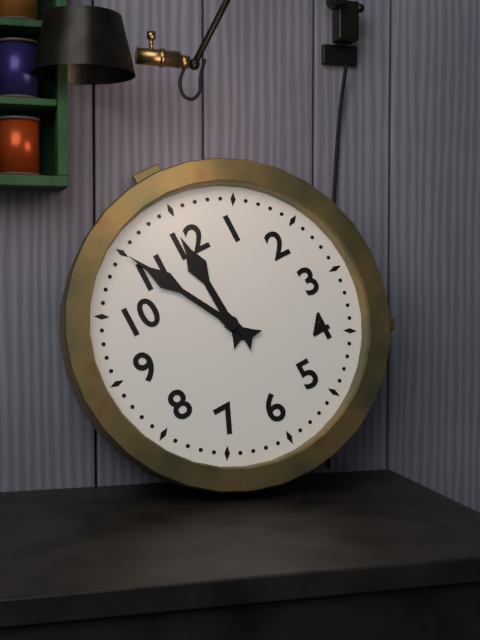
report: 11,55
